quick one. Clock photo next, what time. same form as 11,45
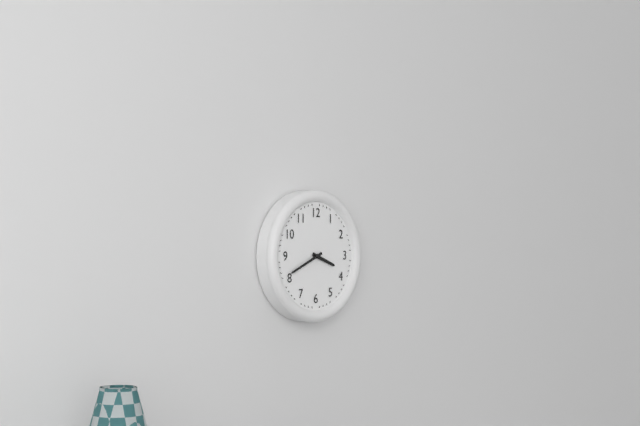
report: 3,41
